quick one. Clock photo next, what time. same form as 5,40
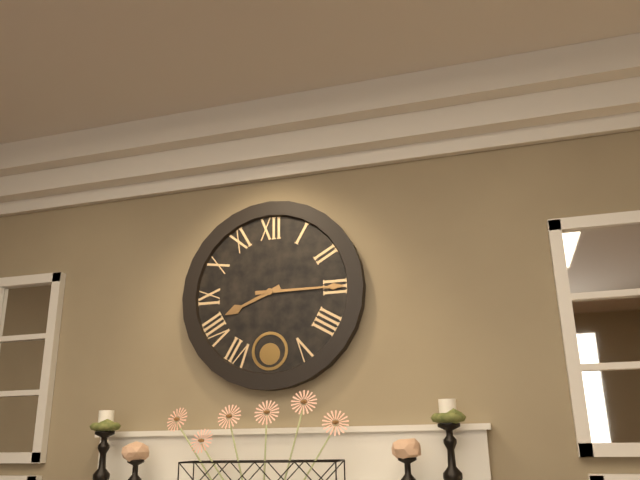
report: 8,15
